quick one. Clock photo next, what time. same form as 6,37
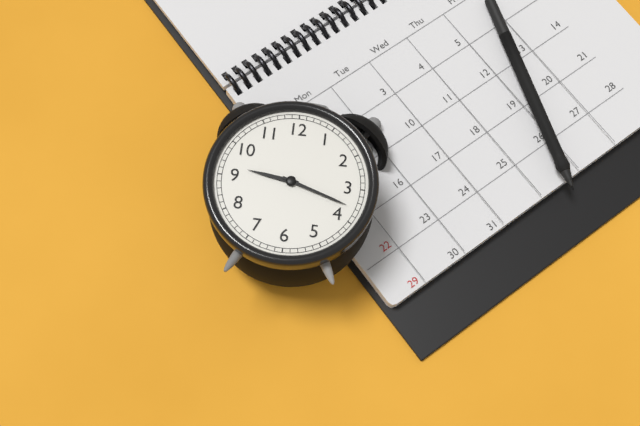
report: 9,18
